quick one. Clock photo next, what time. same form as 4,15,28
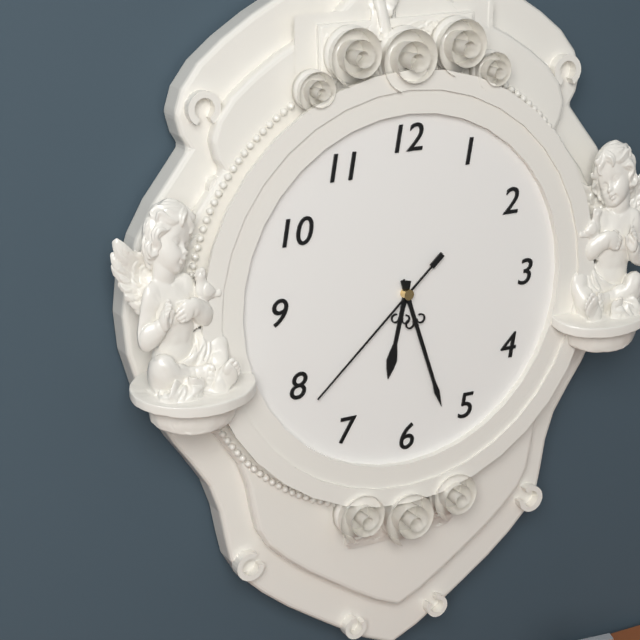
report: 6,27,38
